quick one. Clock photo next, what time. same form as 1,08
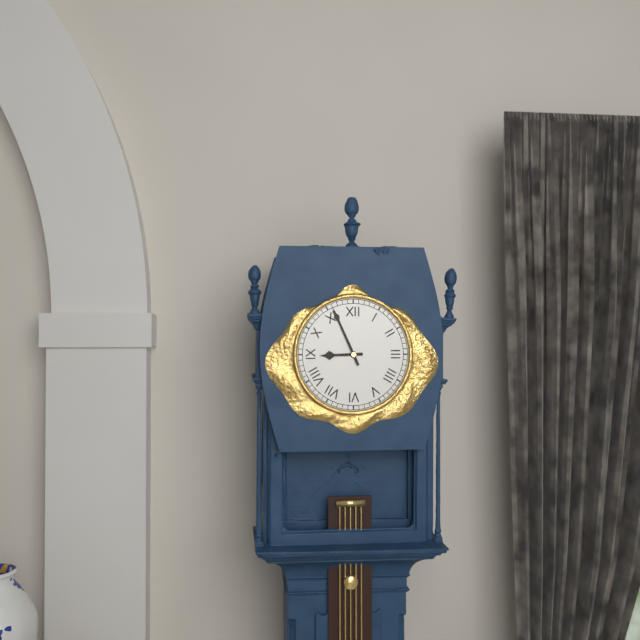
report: 8,56
